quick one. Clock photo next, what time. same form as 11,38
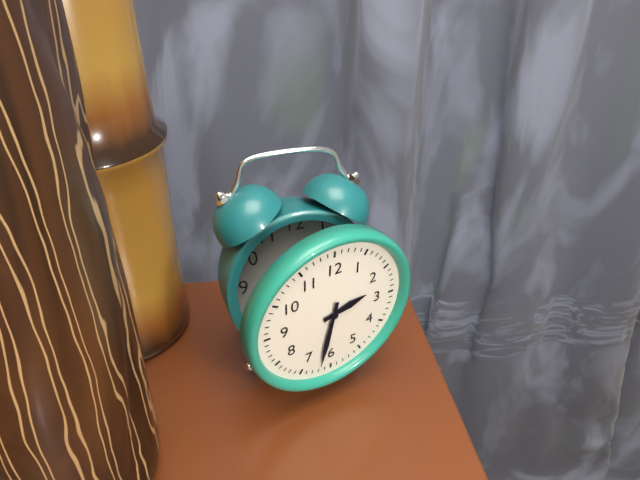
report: 2,32
